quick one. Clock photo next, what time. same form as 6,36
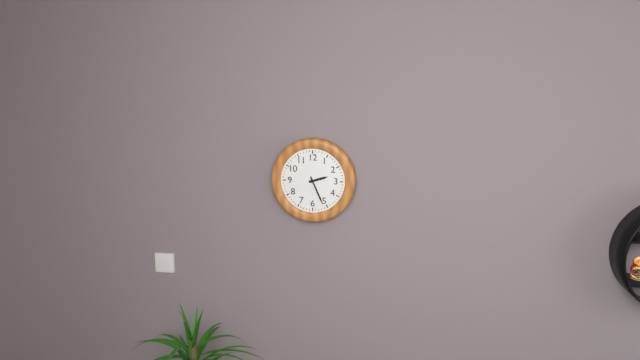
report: 2,26
